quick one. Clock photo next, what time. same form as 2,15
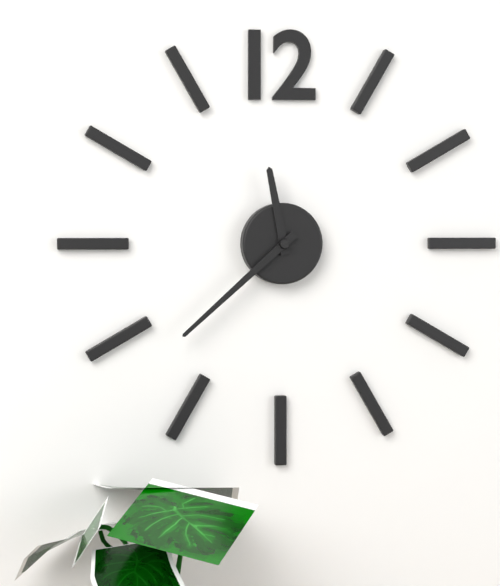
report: 11,38
